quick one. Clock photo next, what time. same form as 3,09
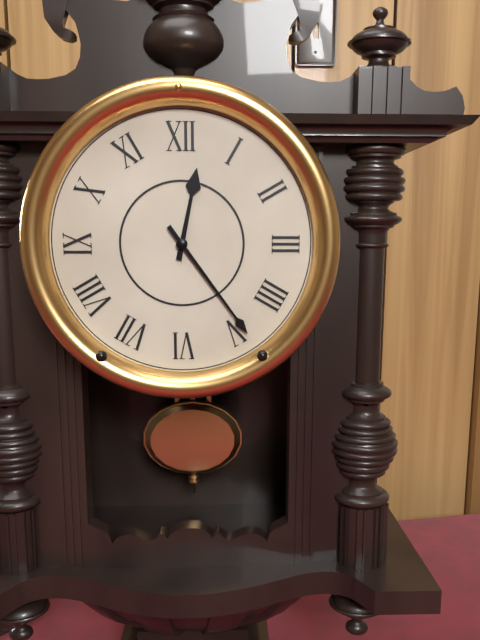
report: 12,24
